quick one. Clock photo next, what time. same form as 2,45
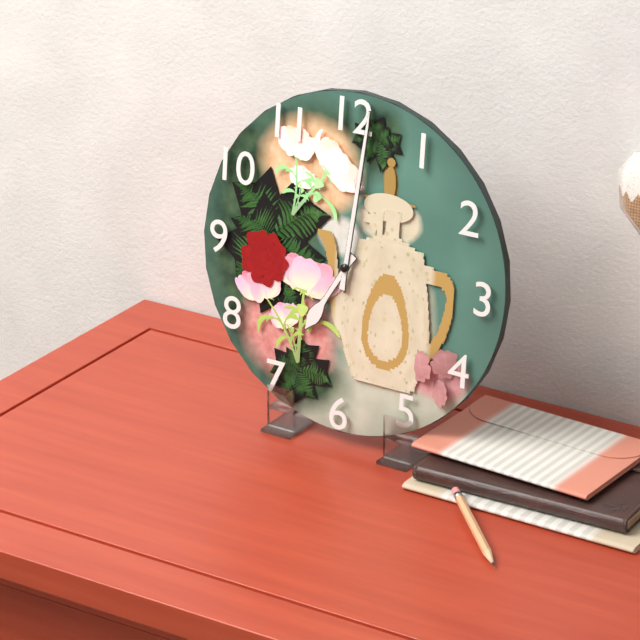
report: 7,01
